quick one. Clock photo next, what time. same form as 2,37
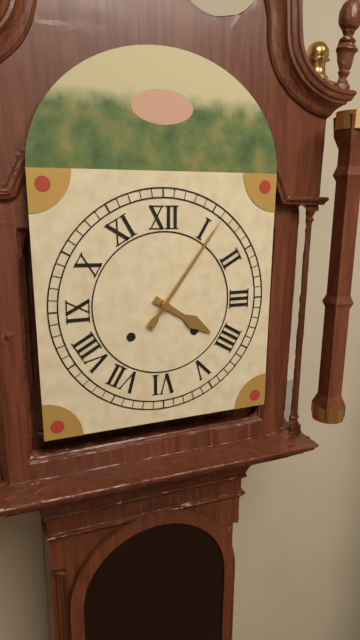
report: 4,06
